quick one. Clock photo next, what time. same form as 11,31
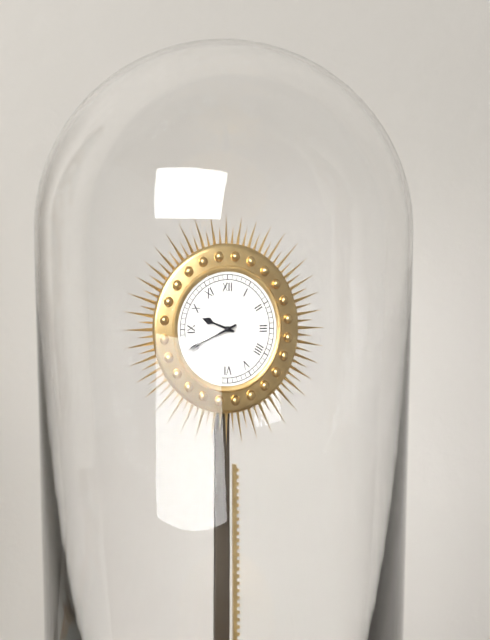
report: 9,41
